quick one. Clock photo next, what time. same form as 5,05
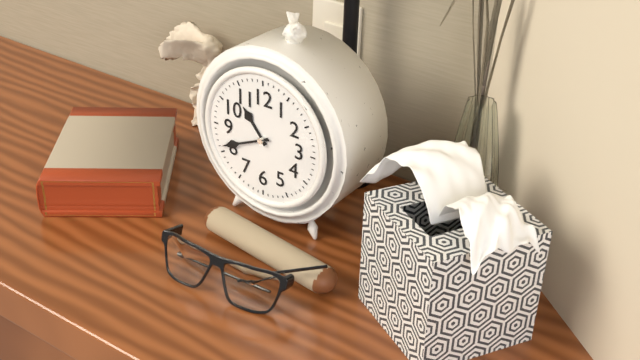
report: 10,41
